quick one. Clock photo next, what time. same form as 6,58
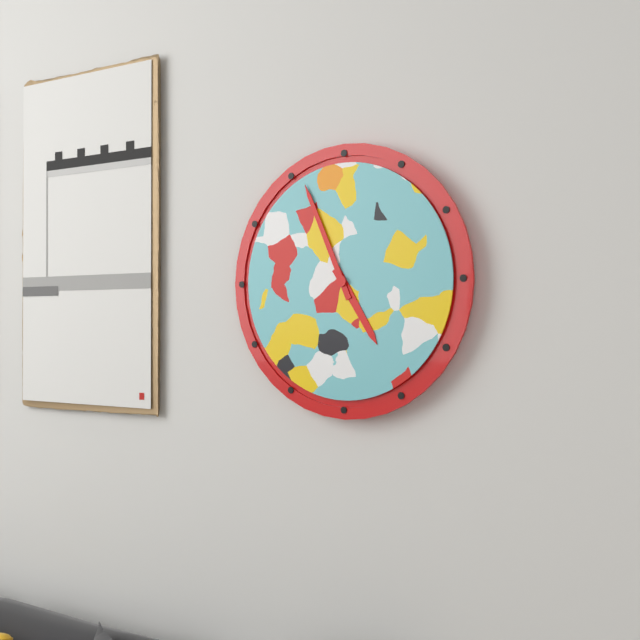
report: 4,56
